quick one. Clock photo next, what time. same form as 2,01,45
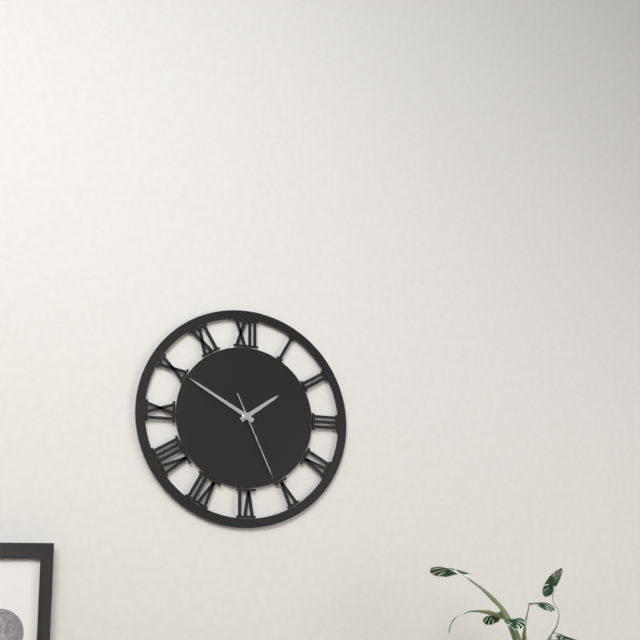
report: 1,50,26
